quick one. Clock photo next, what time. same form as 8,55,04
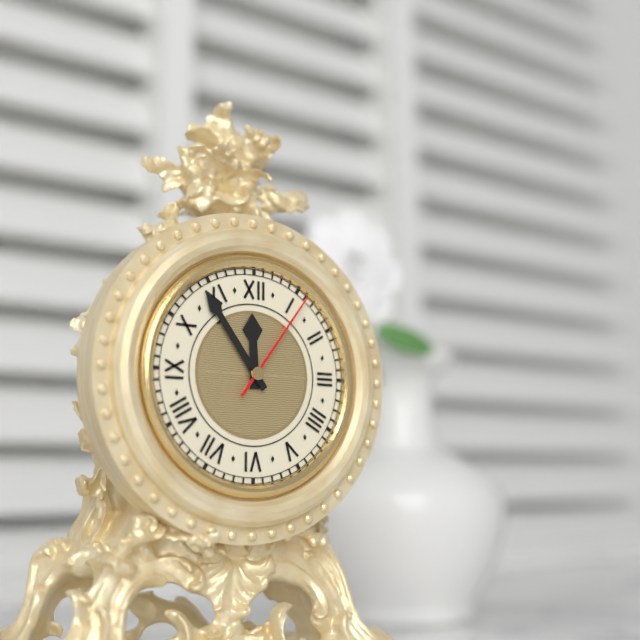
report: 11,54,06
